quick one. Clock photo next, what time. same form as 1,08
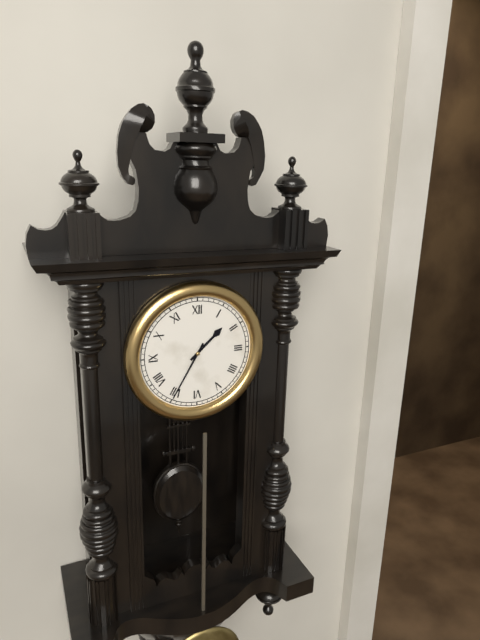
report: 1,35
